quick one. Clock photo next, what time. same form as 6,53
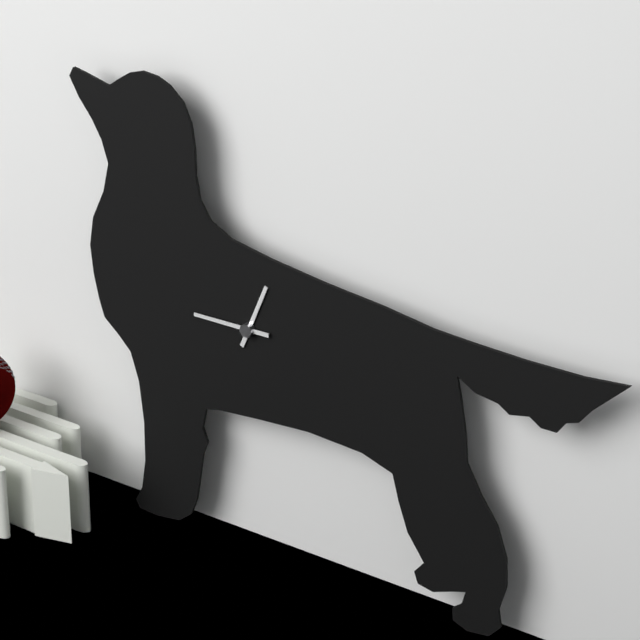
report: 12,45
